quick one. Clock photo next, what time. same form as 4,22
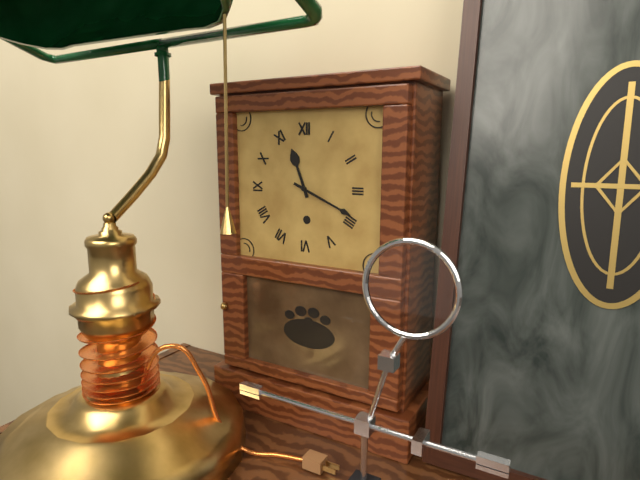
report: 11,19
